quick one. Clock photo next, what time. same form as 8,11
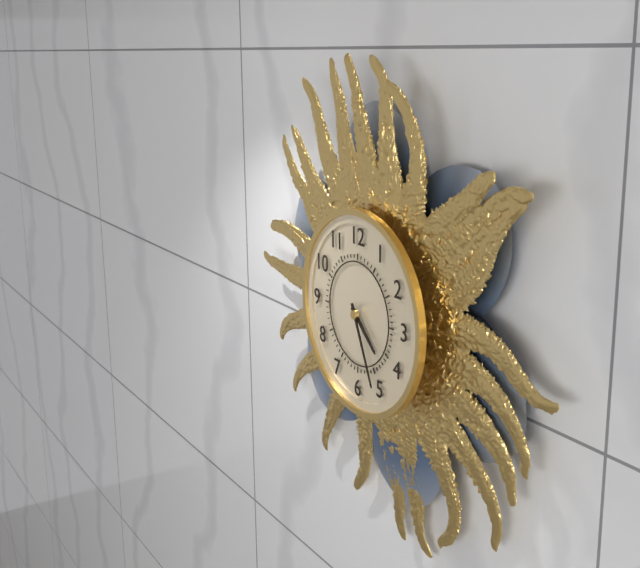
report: 4,26
